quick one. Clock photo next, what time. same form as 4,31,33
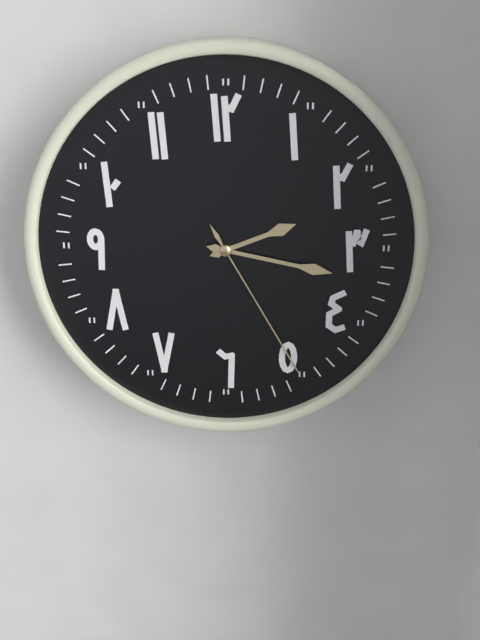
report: 2,17,25
